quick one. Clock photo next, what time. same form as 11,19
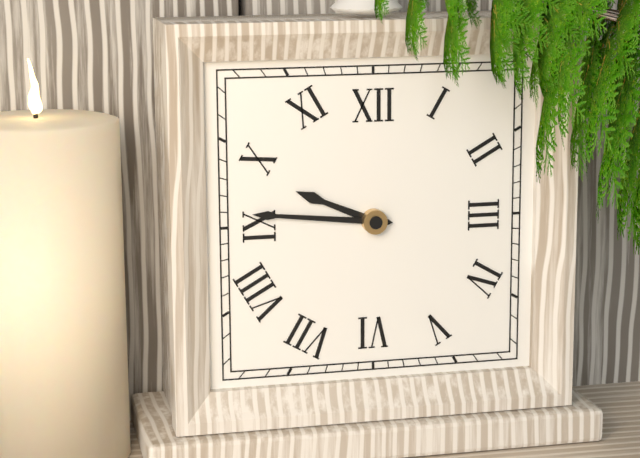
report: 9,46
